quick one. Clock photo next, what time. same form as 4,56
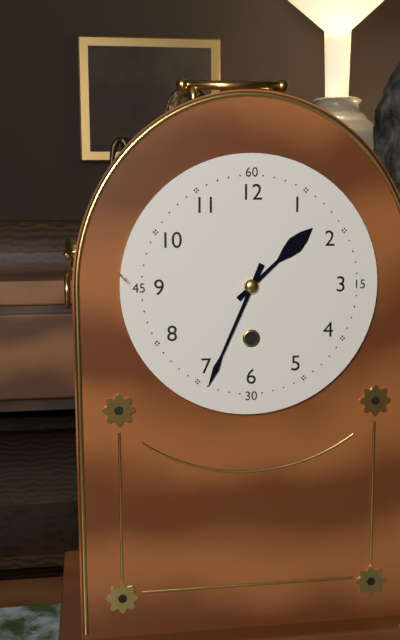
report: 1,34
